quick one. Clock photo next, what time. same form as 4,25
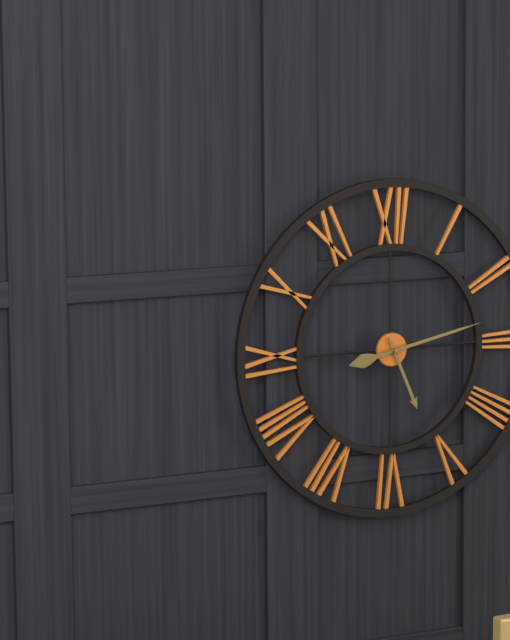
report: 5,13
